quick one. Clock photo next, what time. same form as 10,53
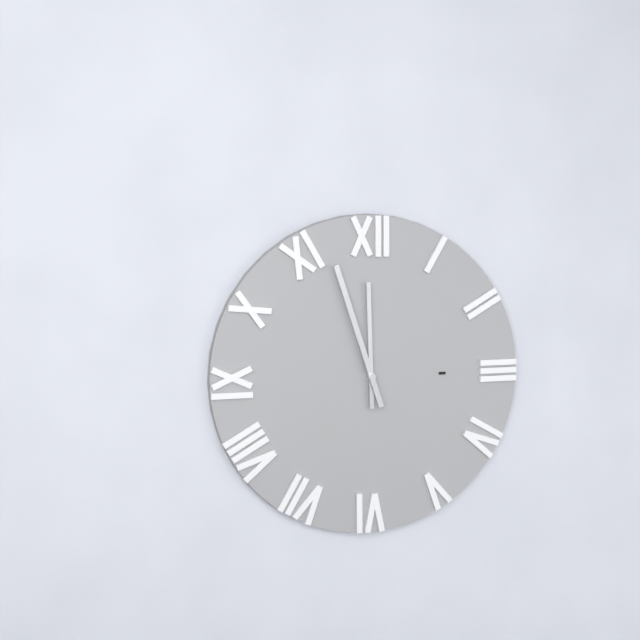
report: 11,57
